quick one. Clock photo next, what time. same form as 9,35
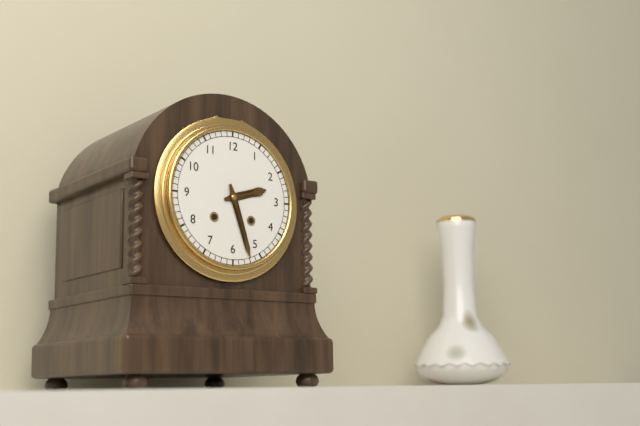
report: 2,27
